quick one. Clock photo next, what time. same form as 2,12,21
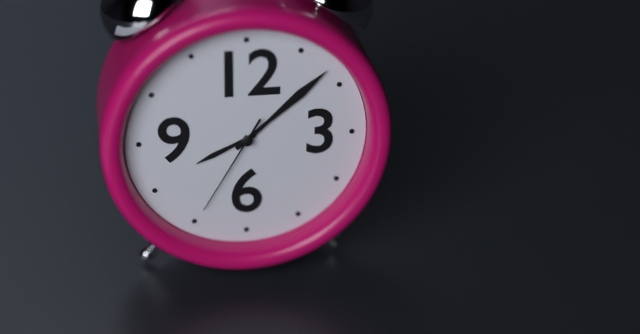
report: 8,08,35
